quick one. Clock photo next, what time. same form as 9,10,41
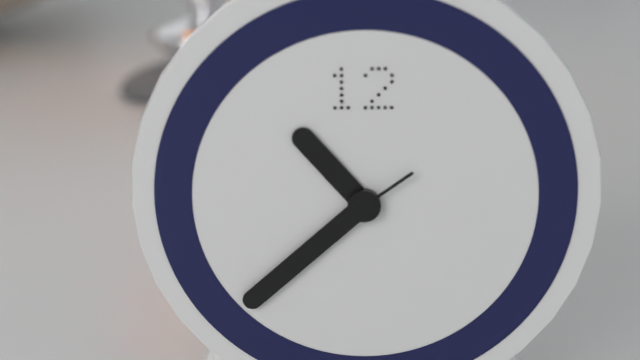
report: 10,38,09
